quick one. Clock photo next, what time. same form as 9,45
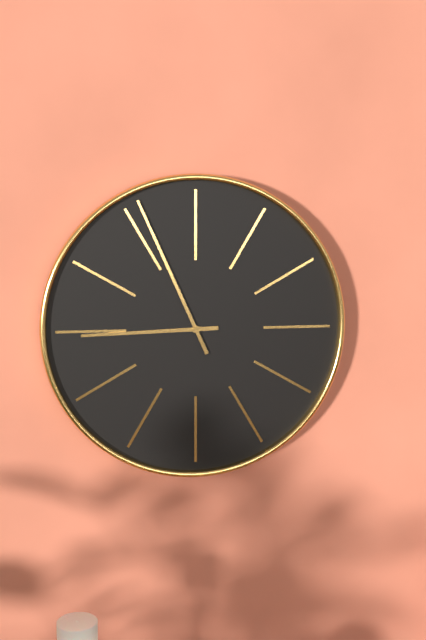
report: 8,56
